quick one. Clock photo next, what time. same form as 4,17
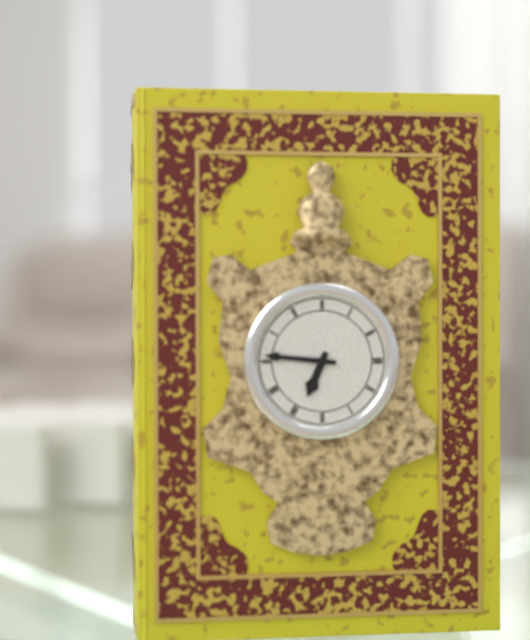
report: 6,46
